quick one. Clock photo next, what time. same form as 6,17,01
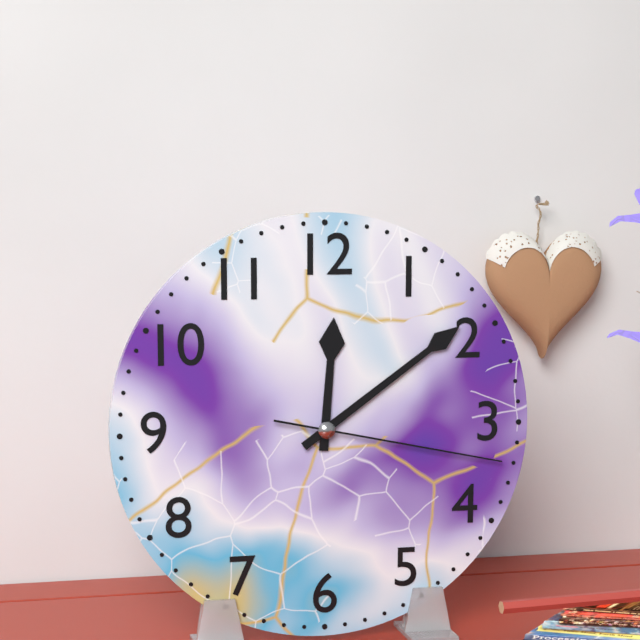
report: 12,09,17
